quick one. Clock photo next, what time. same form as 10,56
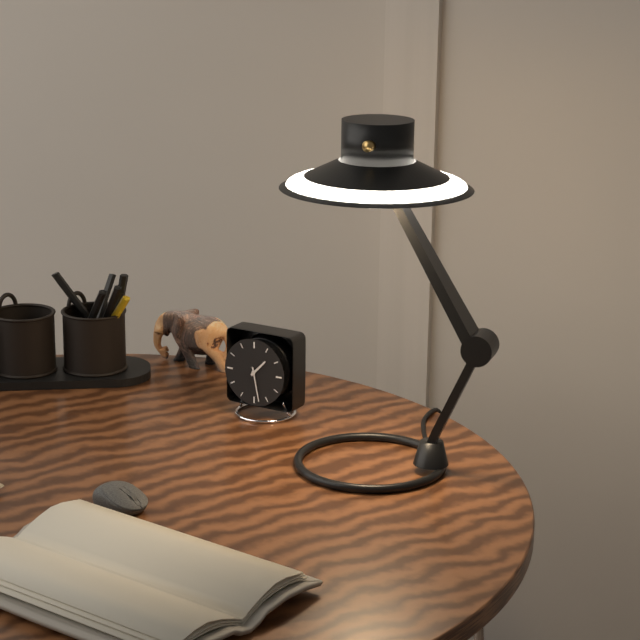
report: 1,28
